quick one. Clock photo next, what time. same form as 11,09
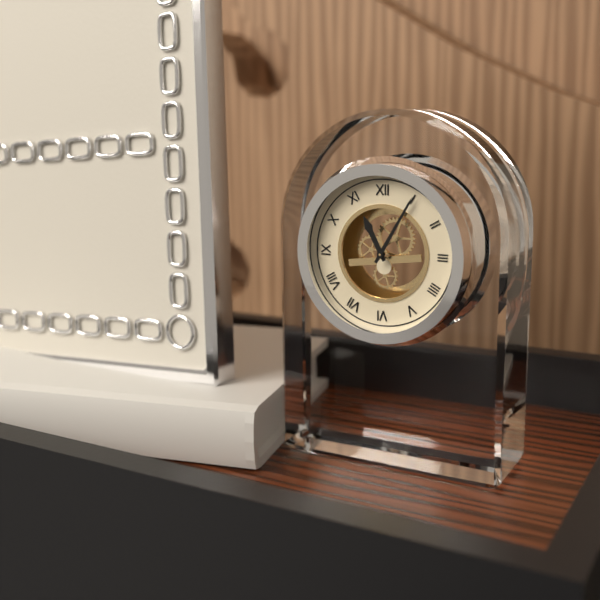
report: 11,05
